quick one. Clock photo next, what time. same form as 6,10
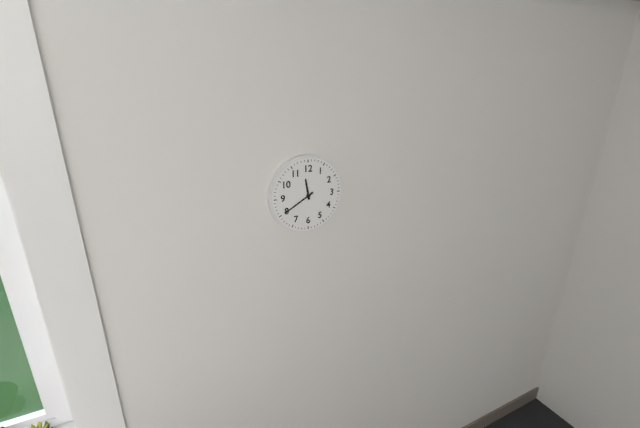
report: 11,40
